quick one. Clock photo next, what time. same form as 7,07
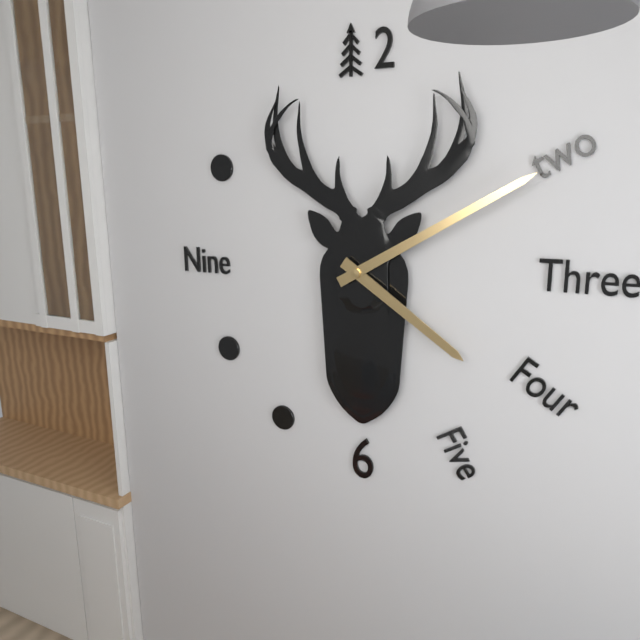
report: 4,10
